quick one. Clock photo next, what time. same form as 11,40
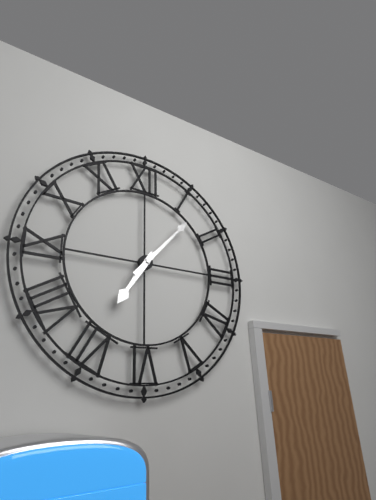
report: 7,07
